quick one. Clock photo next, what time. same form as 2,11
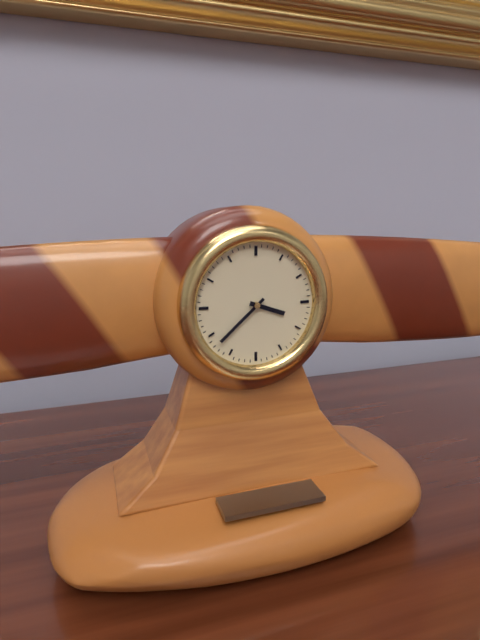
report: 3,38
